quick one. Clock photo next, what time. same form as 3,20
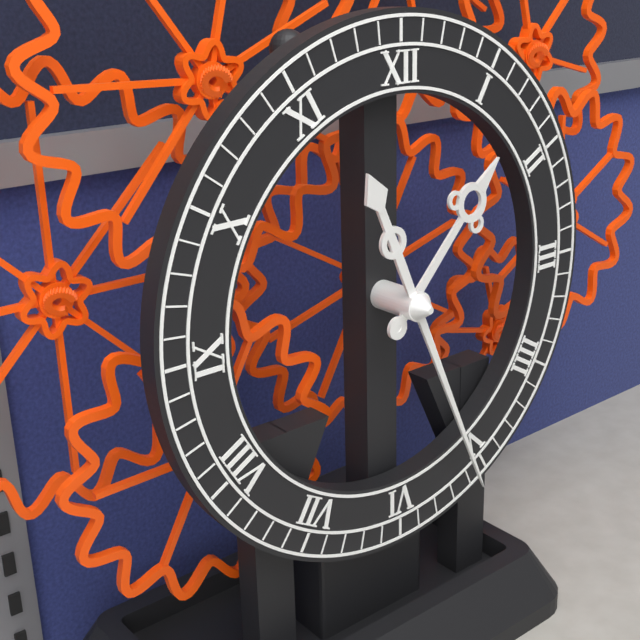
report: 1,26
